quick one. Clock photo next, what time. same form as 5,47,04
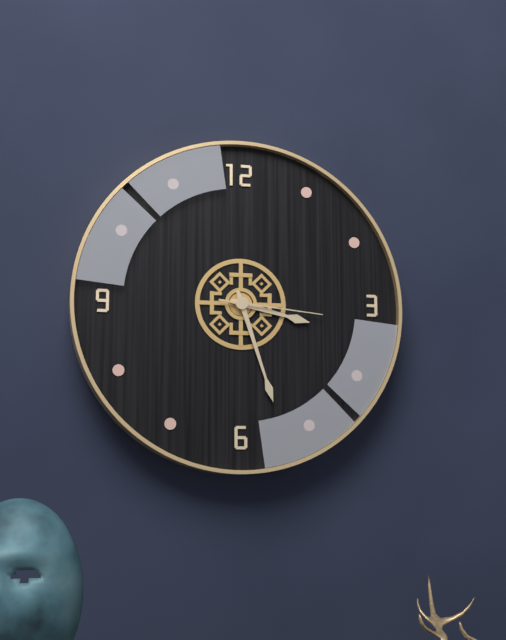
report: 3,27,16
